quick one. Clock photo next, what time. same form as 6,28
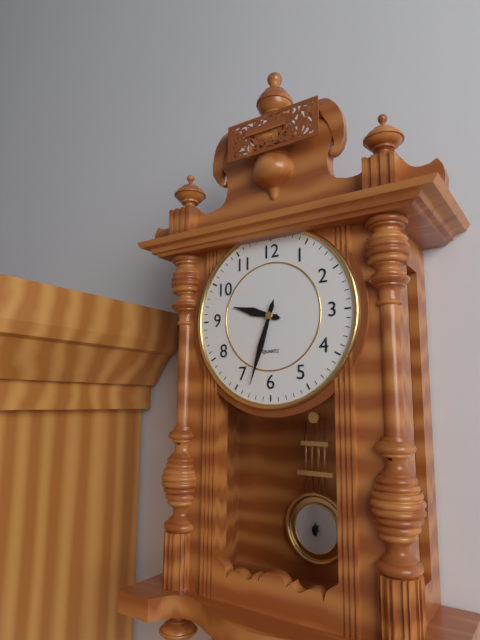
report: 9,33
